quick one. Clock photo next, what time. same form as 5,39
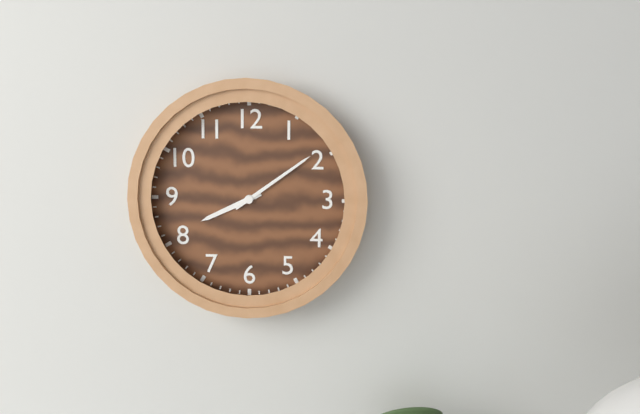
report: 8,09
